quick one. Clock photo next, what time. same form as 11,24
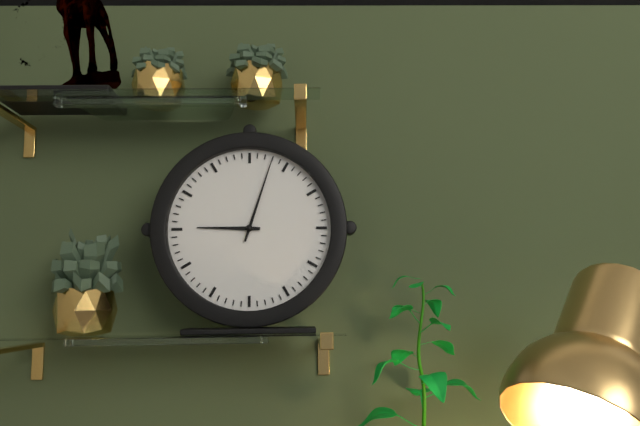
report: 9,03
